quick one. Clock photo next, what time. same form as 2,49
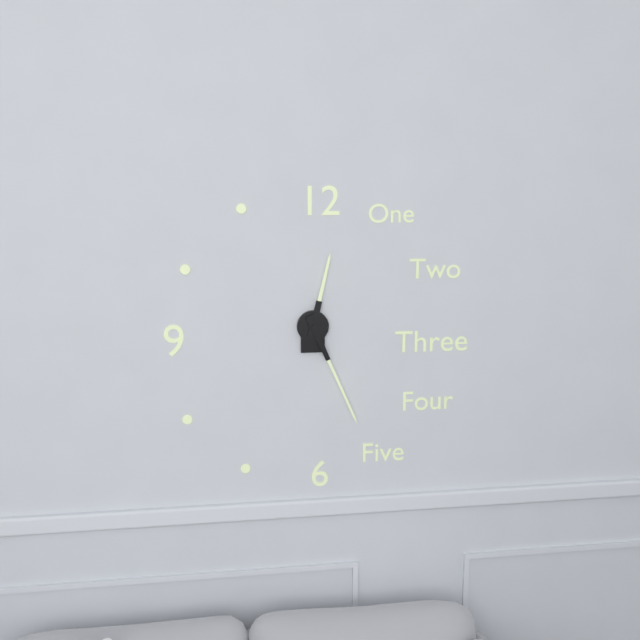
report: 12,26
